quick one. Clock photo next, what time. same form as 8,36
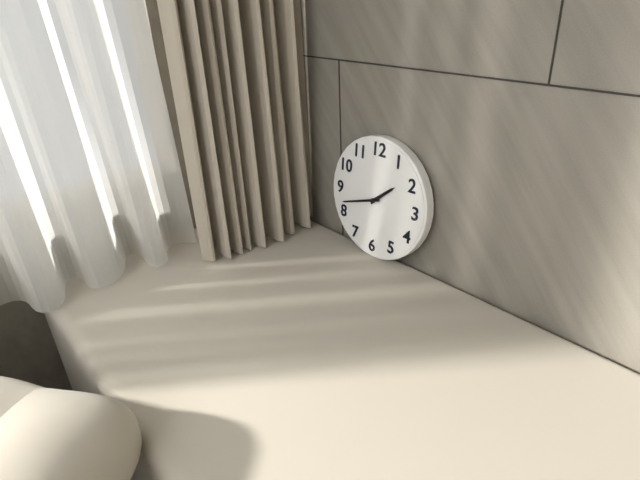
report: 1,42
